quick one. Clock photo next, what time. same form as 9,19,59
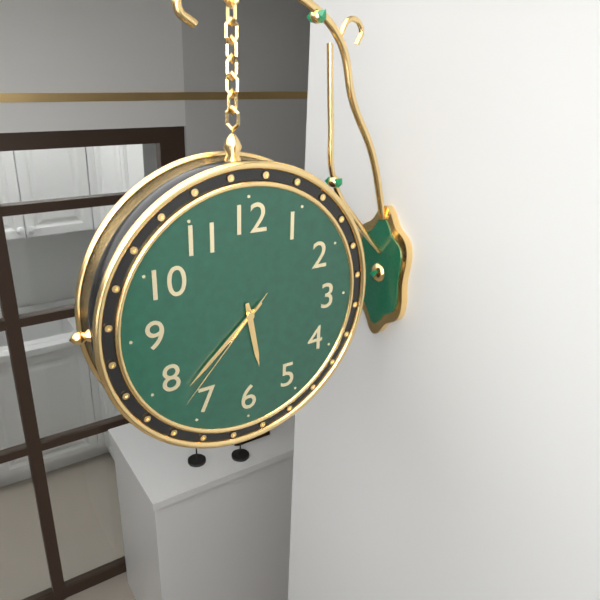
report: 5,38,37
